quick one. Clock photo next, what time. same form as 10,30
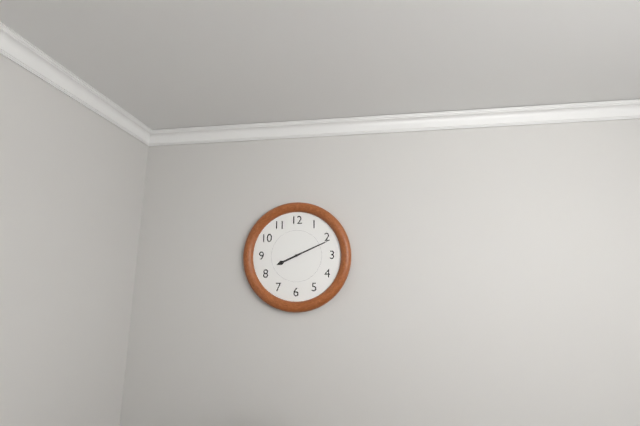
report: 8,11
